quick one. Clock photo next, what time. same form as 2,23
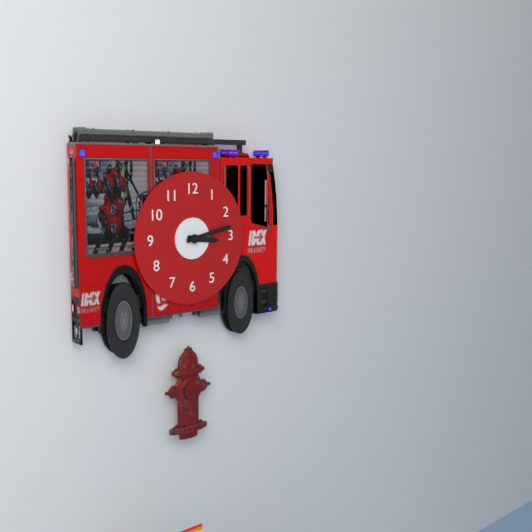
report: 3,13
